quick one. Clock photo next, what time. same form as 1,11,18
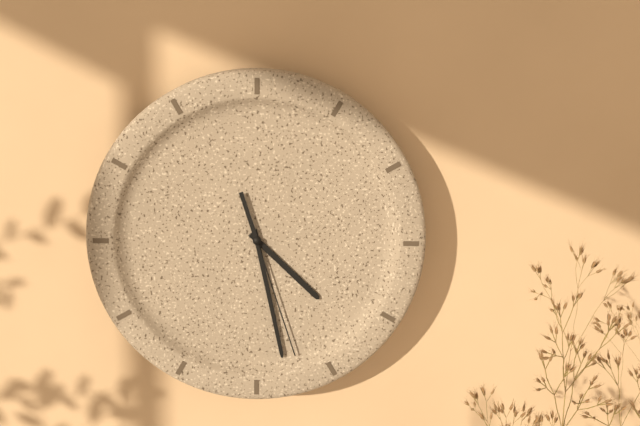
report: 4,28,27
